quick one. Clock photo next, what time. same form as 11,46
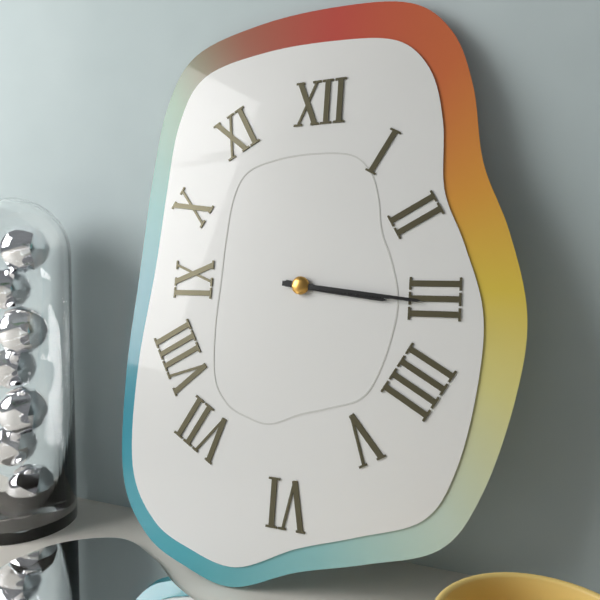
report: 3,16
